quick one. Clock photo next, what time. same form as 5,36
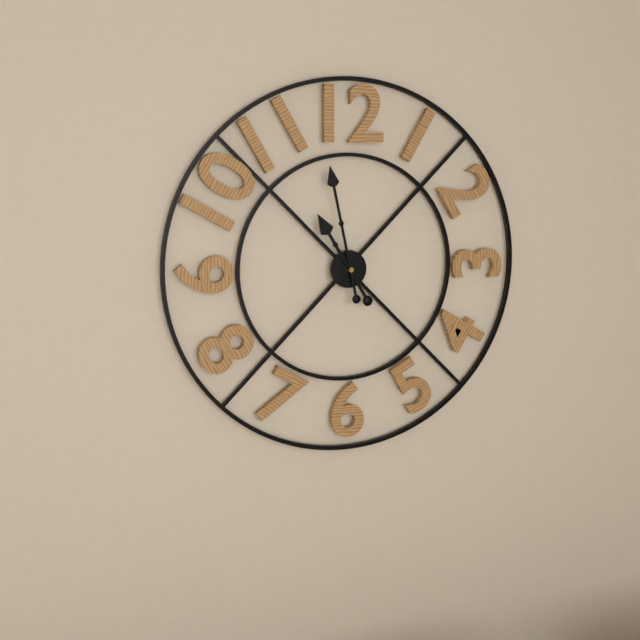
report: 10,58
